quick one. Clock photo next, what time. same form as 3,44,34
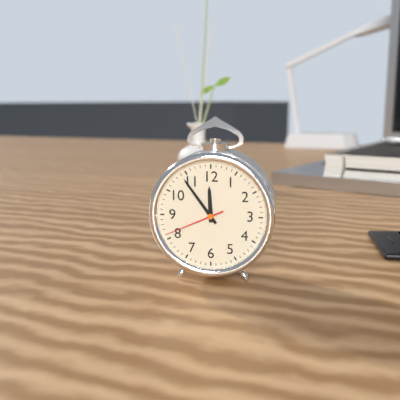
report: 11,54,41
